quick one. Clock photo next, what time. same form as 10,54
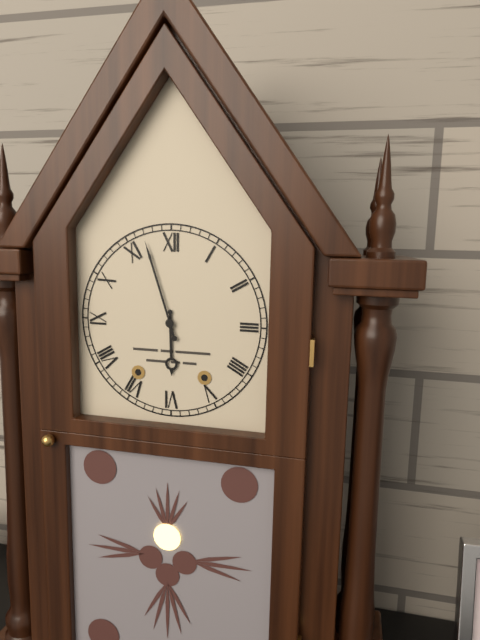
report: 5,57
